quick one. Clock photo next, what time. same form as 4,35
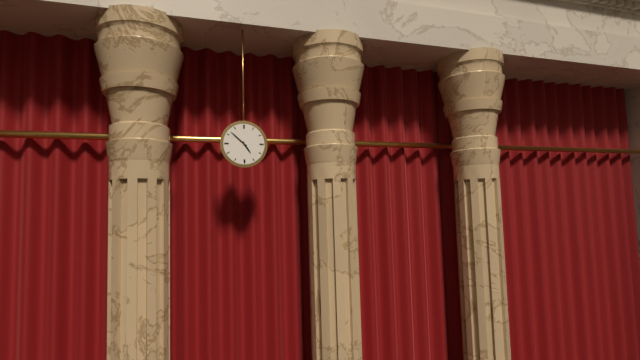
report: 4,52
